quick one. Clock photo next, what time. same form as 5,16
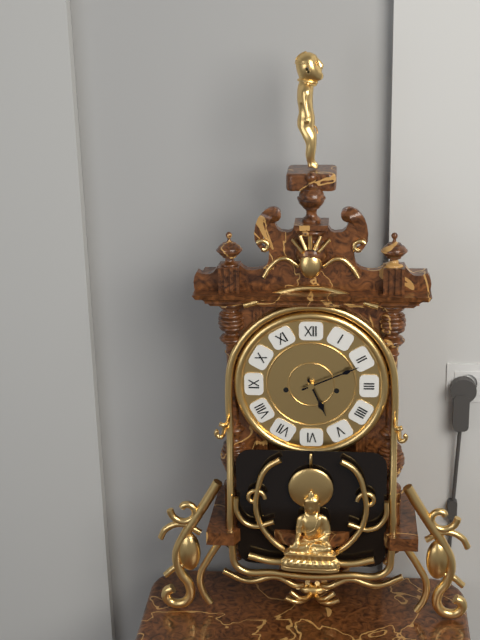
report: 5,11
